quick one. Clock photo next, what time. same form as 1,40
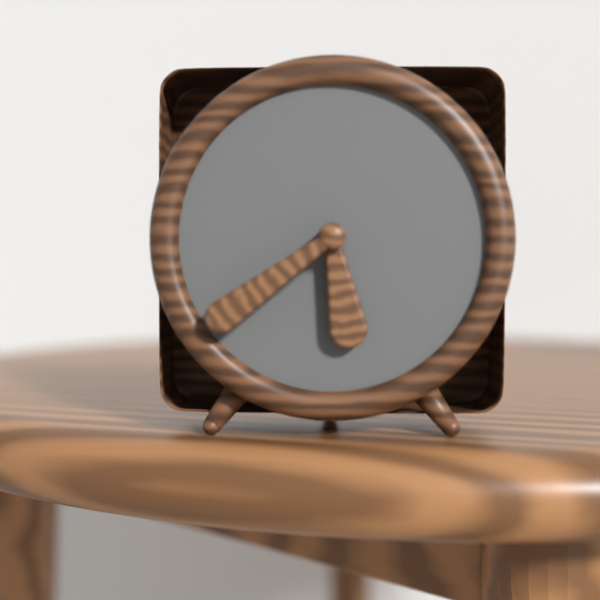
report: 5,39
